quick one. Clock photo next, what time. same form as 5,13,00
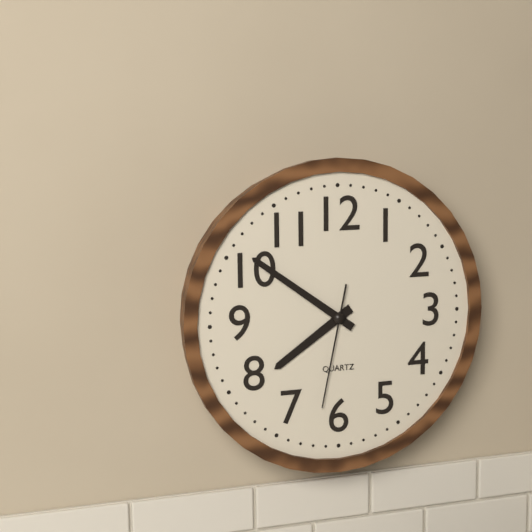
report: 7,51,32
